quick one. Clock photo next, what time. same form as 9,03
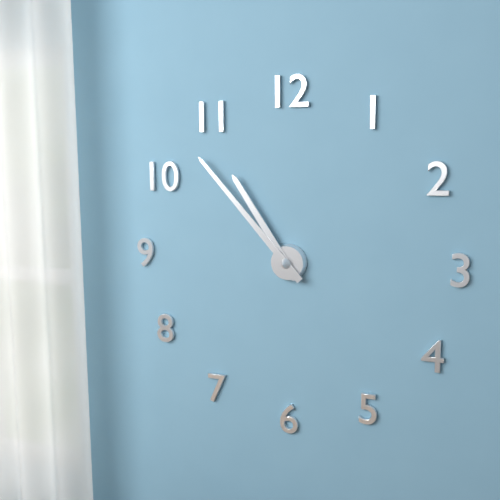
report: 10,53
